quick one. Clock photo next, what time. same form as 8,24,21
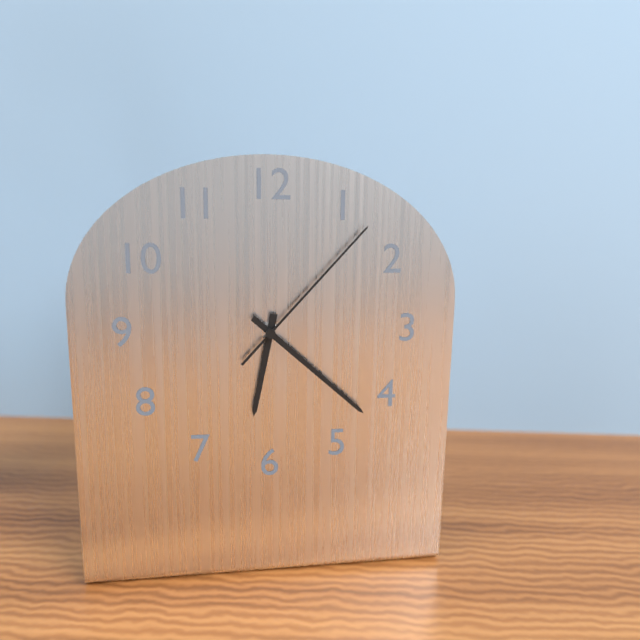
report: 6,22,07
